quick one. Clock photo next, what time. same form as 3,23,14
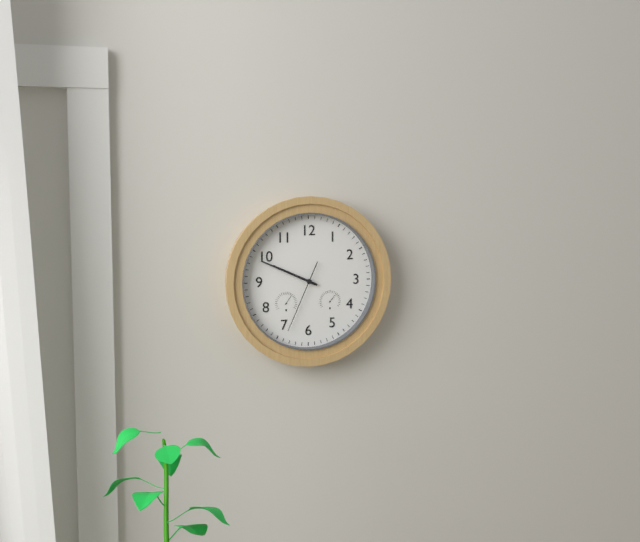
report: 9,49,34
